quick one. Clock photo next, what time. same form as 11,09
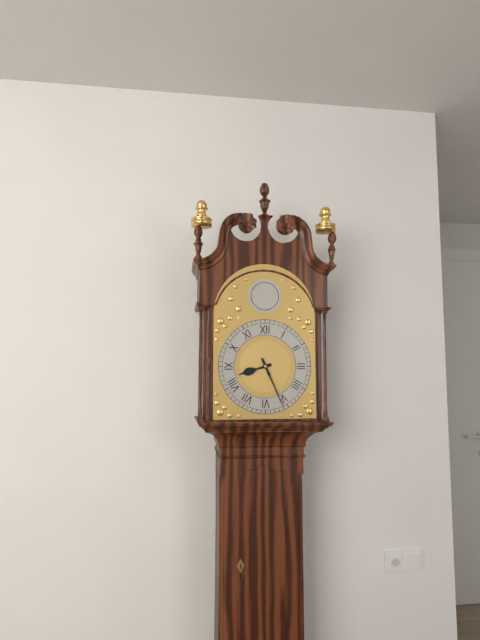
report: 8,26
